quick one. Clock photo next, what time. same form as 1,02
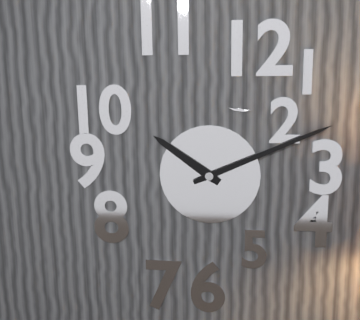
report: 10,11
